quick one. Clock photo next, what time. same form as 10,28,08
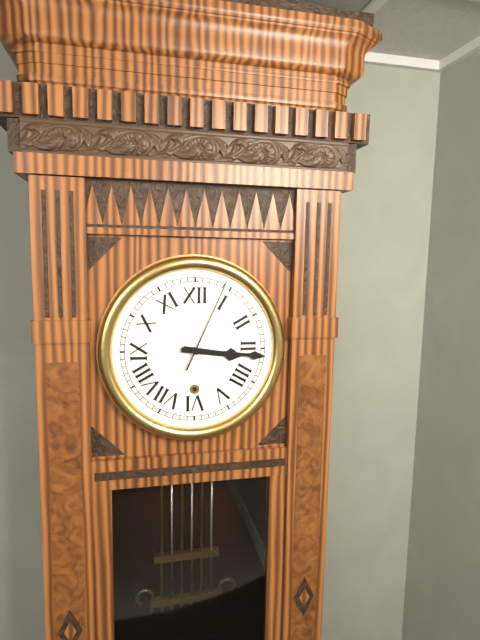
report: 3,16,04
